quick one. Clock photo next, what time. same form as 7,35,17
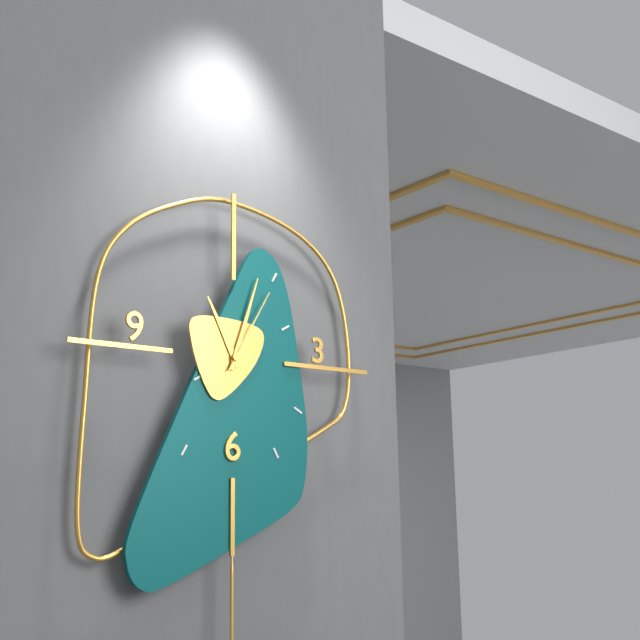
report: 11,03,05
